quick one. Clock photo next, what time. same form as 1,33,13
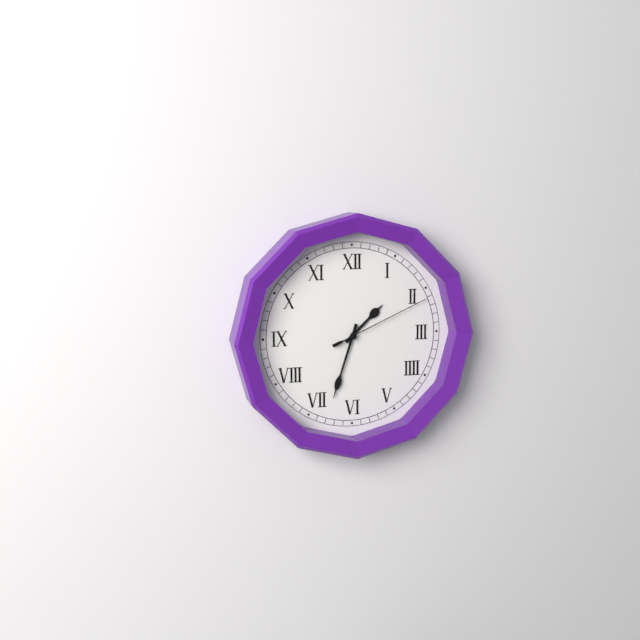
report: 1,33,11
